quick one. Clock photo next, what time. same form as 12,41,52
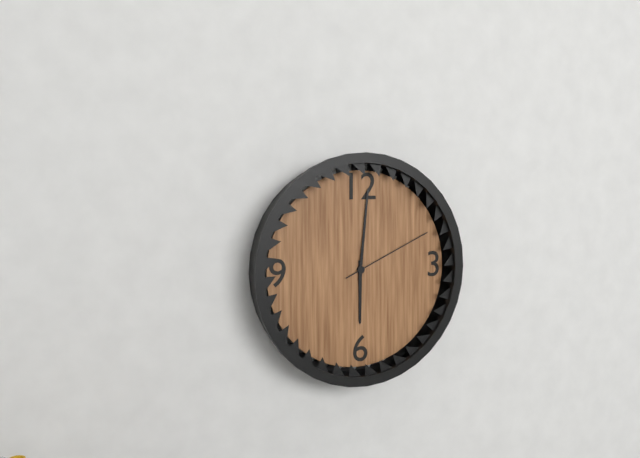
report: 6,01,11
